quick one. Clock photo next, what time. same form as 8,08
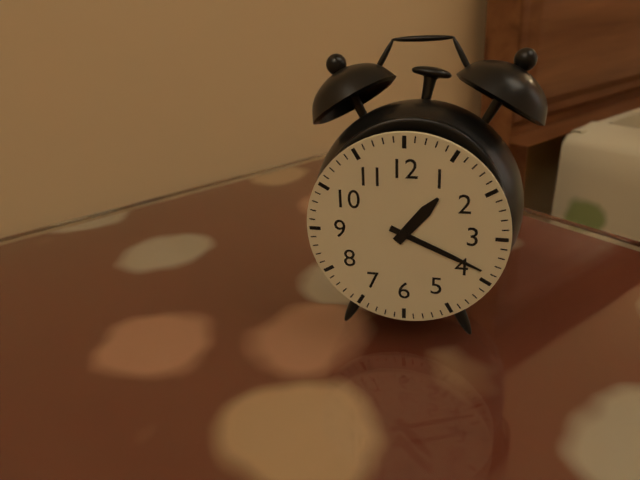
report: 1,19
